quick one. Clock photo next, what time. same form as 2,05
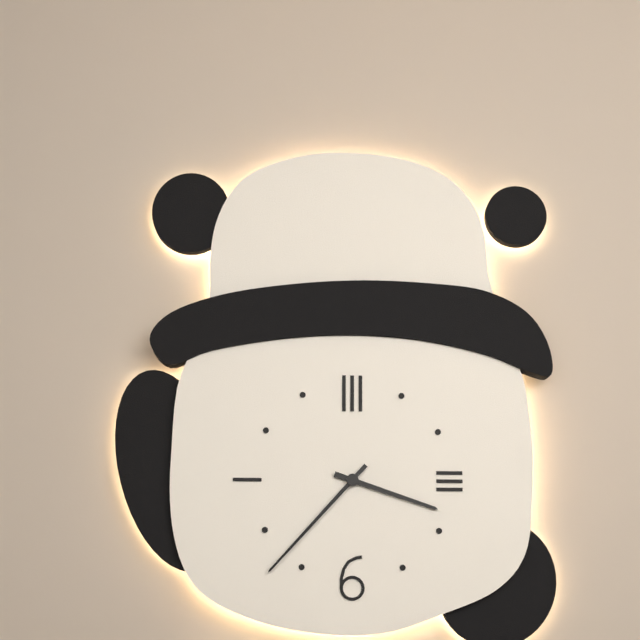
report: 3,37
